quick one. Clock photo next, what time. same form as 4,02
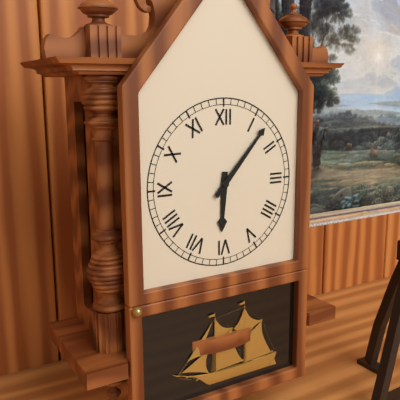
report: 6,07
